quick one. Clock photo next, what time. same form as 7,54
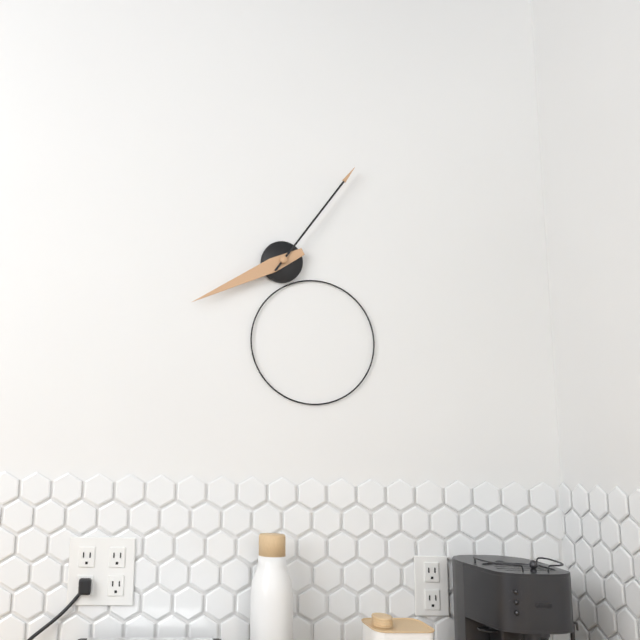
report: 8,06
